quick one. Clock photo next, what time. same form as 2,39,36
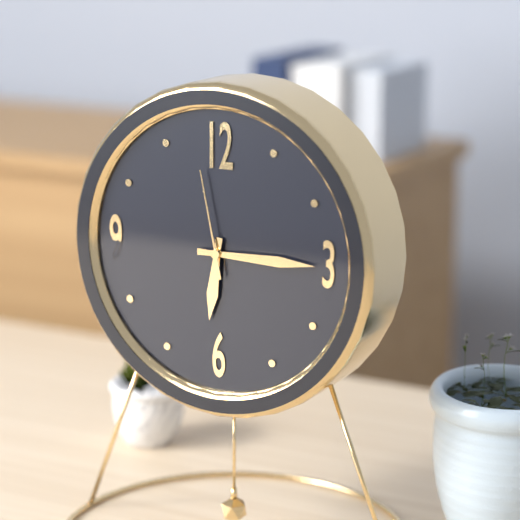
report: 6,15,58
